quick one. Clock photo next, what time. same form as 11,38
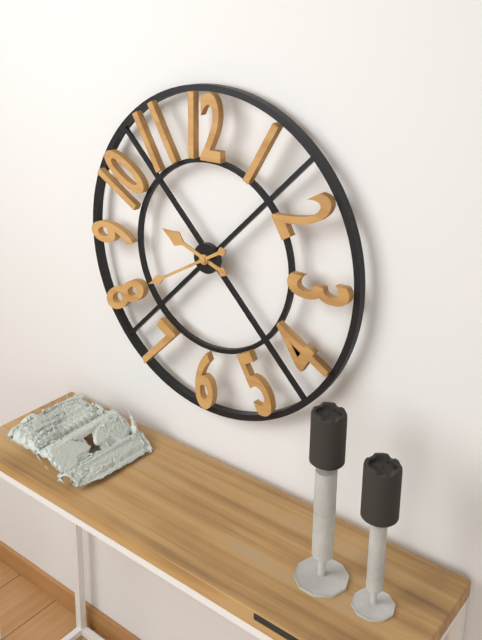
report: 9,40
